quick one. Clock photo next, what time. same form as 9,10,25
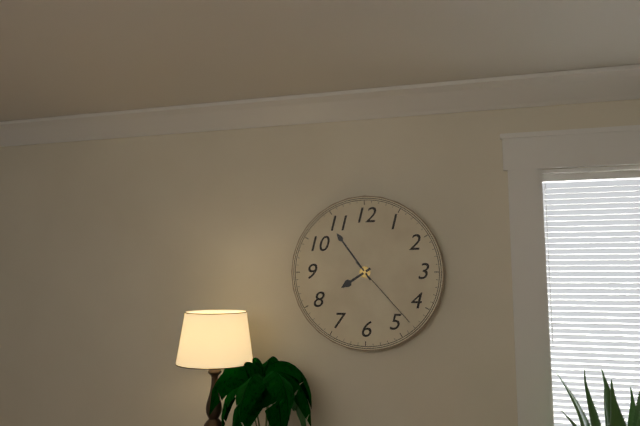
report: 7,54,23
